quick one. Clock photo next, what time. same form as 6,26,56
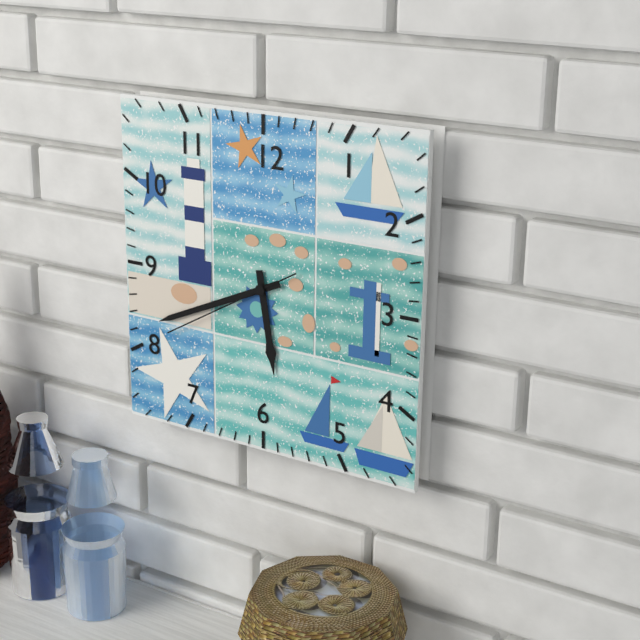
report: 5,41,40
